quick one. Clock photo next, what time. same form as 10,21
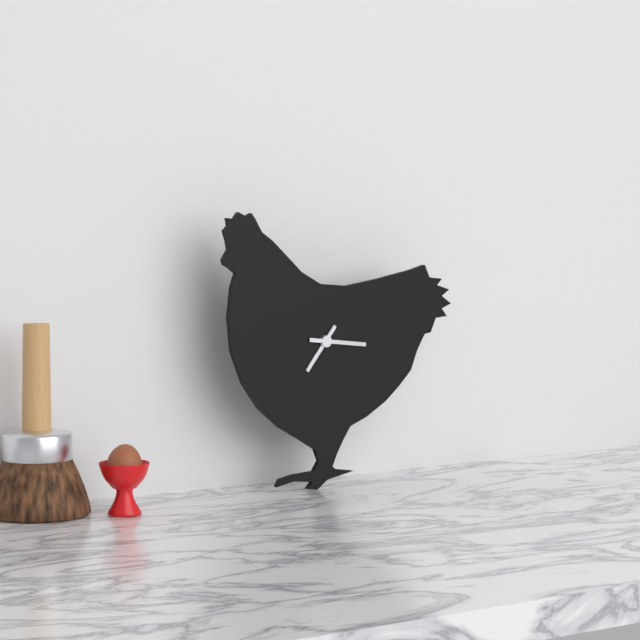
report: 7,16
